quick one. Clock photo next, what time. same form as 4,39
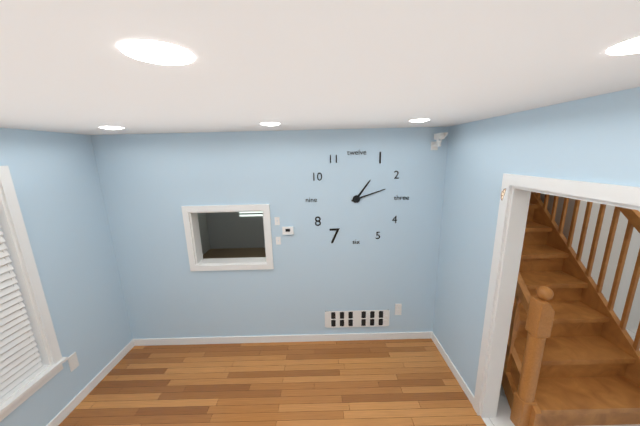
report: 1,12
